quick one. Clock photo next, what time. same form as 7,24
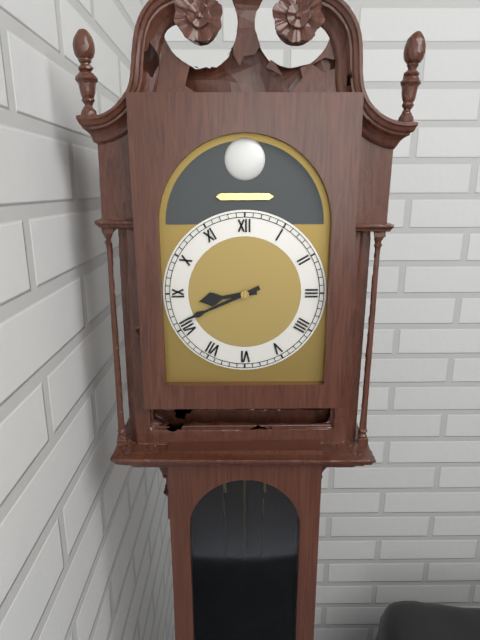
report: 8,41
